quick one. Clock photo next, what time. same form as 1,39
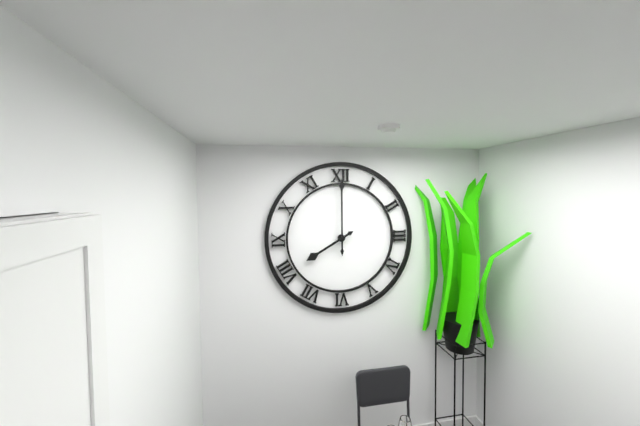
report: 8,00
